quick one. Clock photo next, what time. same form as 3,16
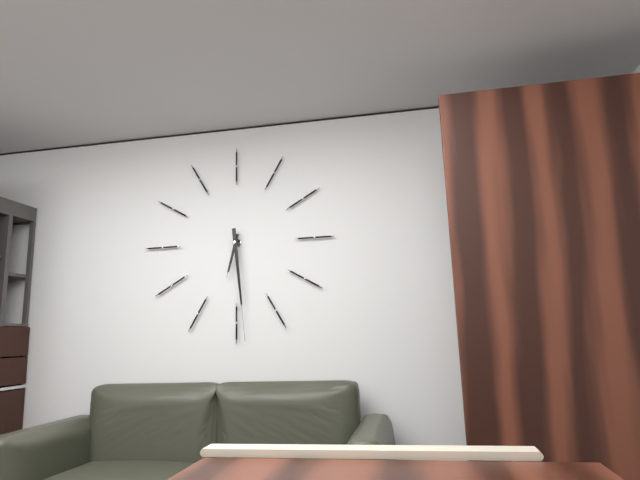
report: 6,29
